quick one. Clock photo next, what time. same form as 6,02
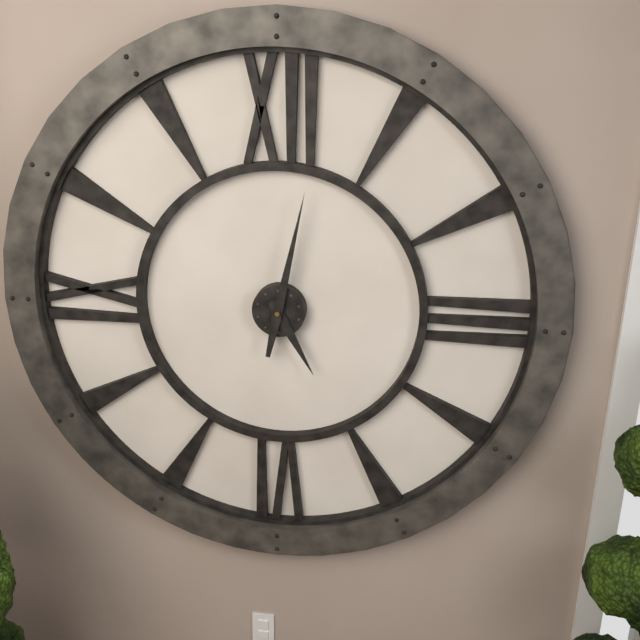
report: 5,02
